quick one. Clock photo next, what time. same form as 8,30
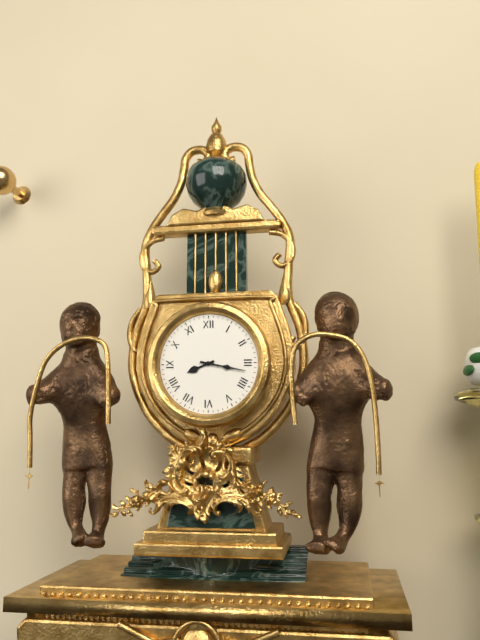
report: 8,17
